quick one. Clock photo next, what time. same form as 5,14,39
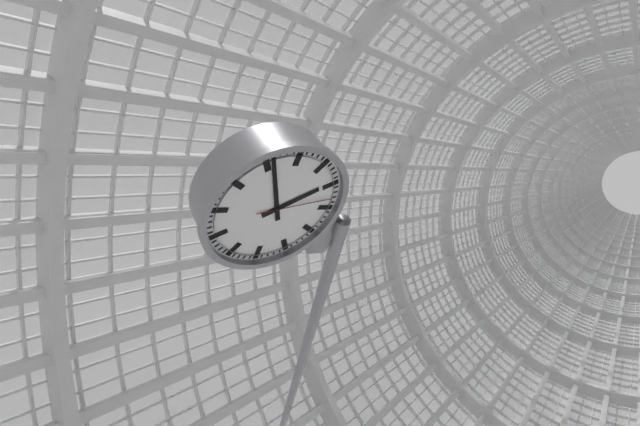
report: 1,56,13
